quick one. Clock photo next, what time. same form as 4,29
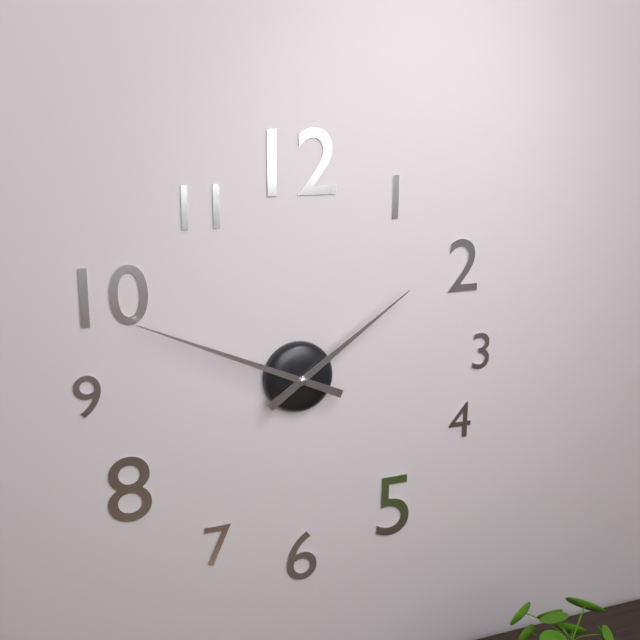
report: 1,49
